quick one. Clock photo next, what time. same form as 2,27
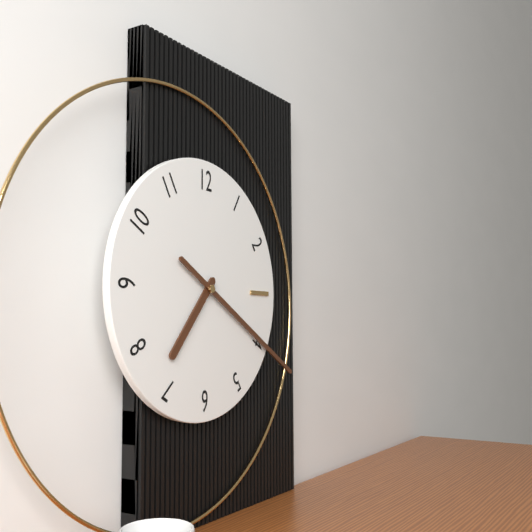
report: 7,20
